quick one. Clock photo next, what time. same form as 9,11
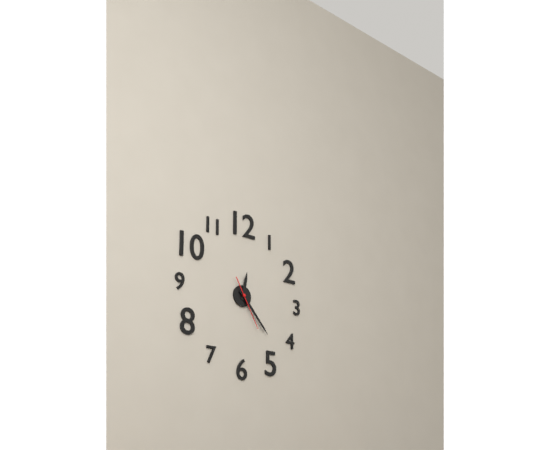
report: 12,23
